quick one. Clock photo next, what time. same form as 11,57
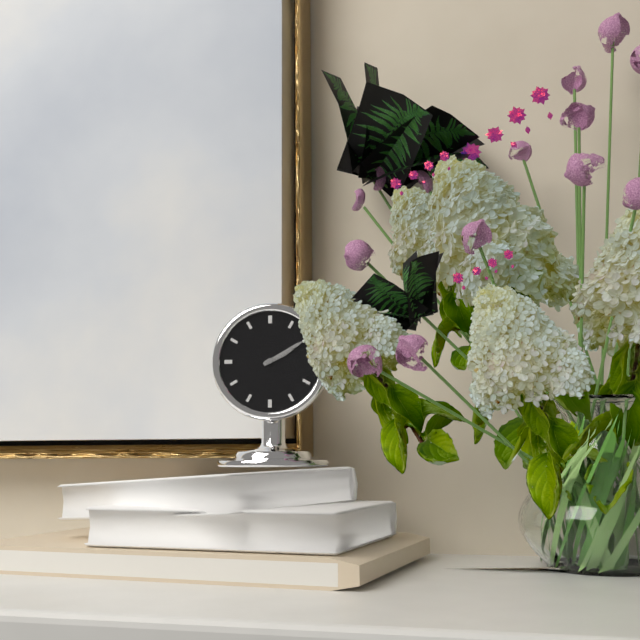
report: 2,10
